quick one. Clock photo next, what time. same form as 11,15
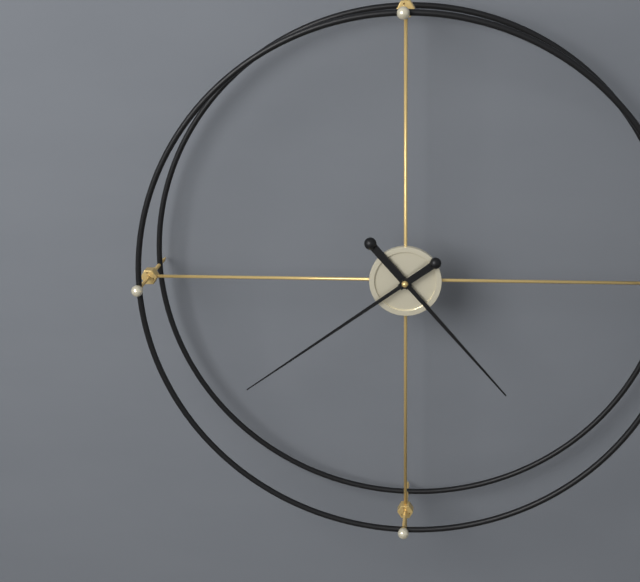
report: 4,39
